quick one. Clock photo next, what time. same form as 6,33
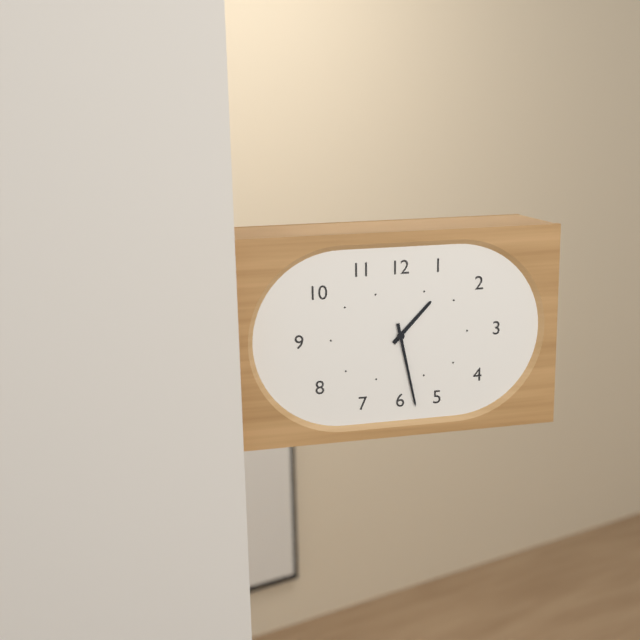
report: 1,28
